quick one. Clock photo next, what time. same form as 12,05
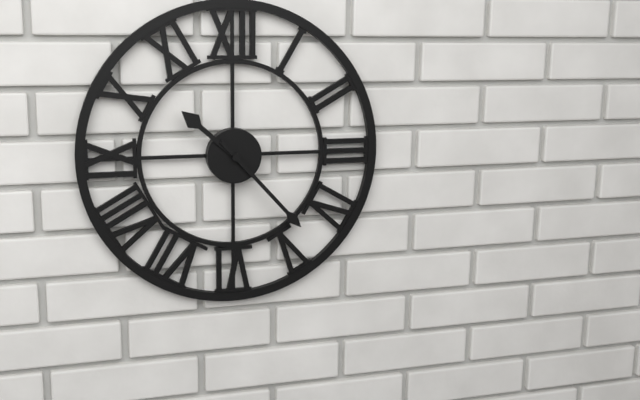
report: 10,23
